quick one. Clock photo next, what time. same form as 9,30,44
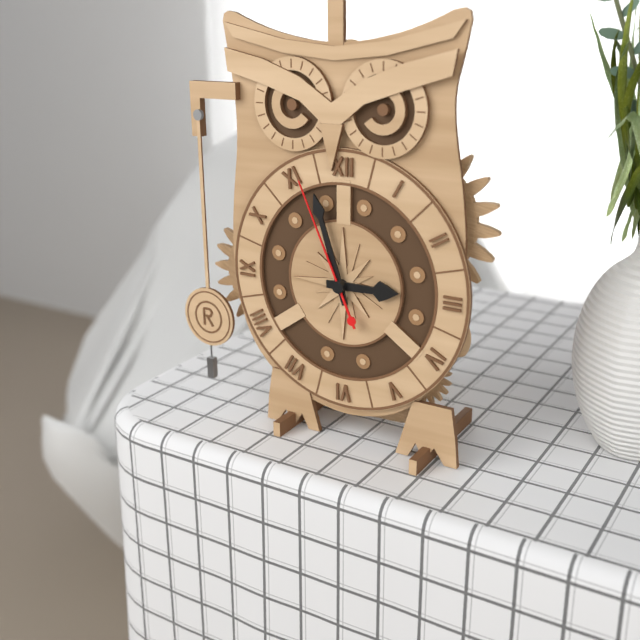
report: 2,57,56
